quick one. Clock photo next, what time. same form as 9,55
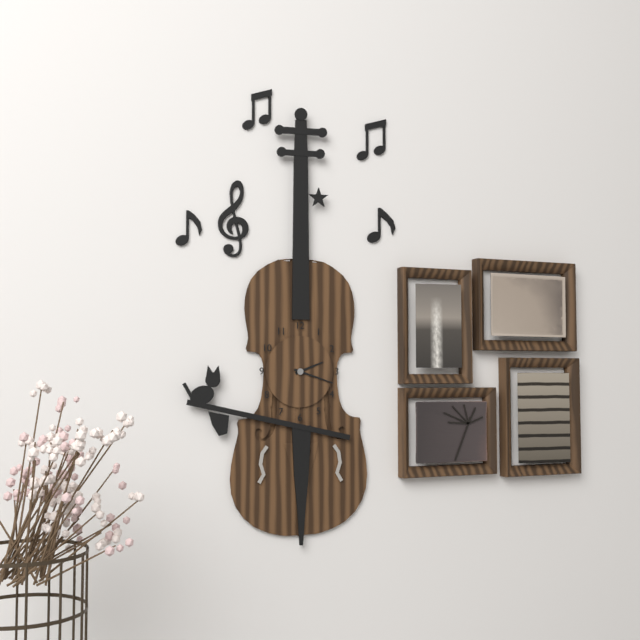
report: 2,18
